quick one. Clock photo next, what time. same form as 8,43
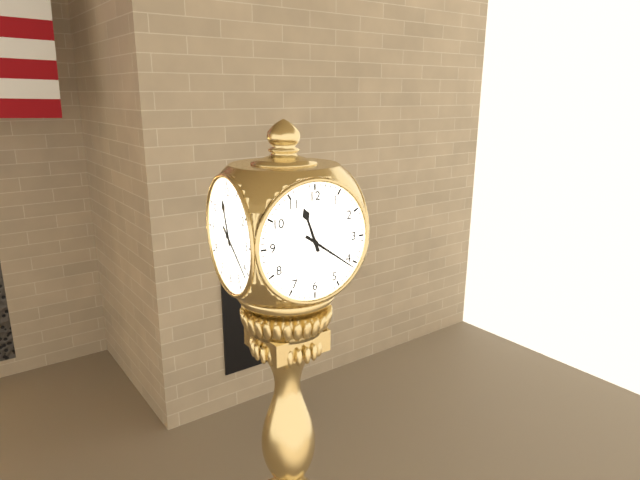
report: 11,21
